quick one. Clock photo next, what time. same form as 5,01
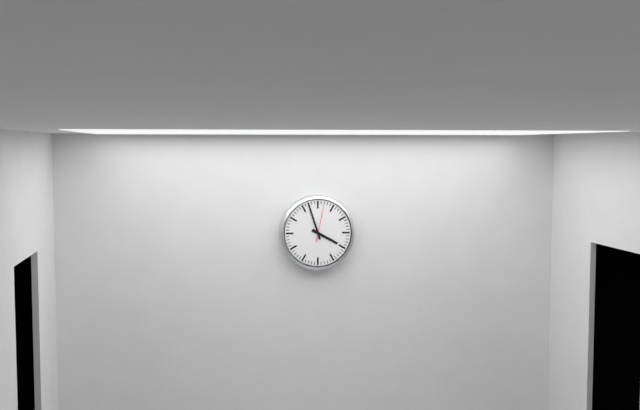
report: 3,57
